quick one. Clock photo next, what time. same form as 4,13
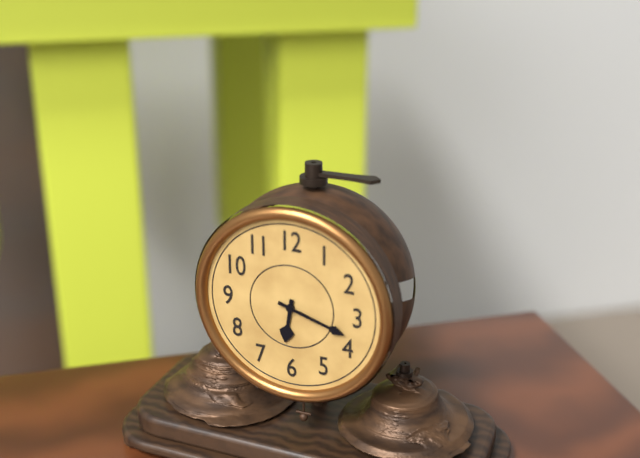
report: 6,18
